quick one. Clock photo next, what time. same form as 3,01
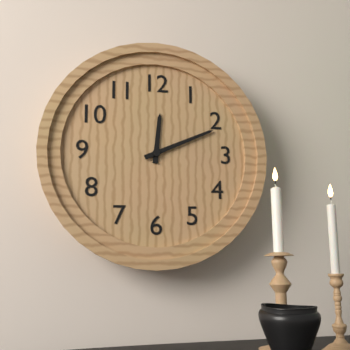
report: 12,11
